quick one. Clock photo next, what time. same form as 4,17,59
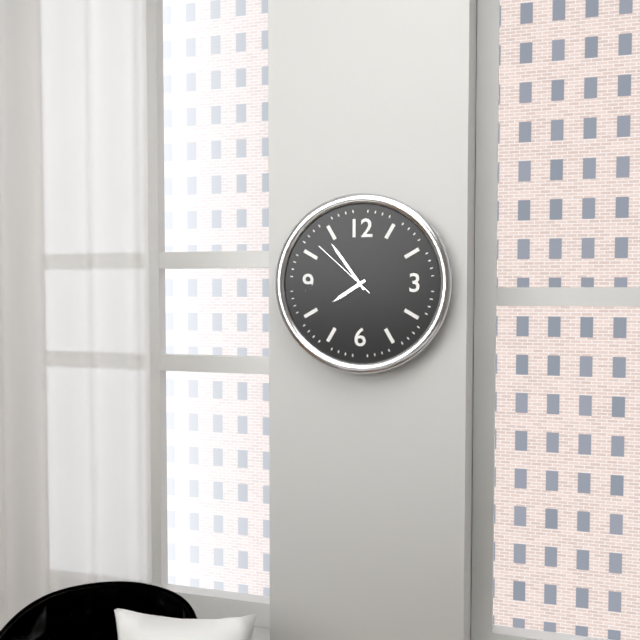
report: 7,54,52
